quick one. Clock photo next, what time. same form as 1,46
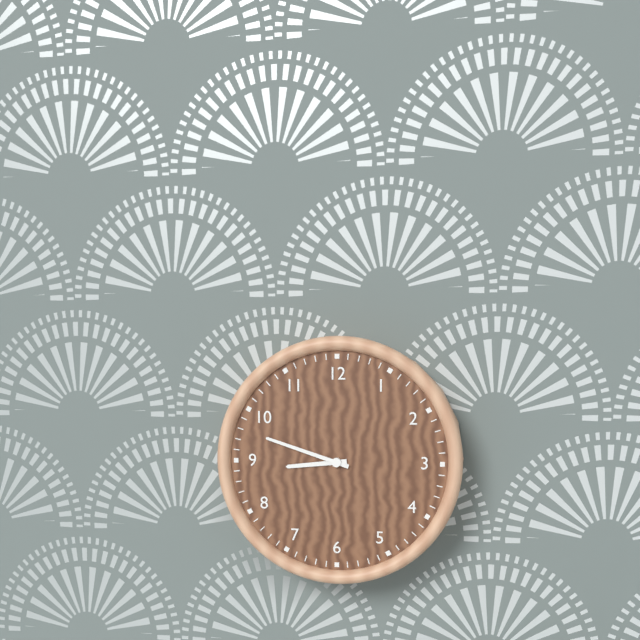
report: 8,48
